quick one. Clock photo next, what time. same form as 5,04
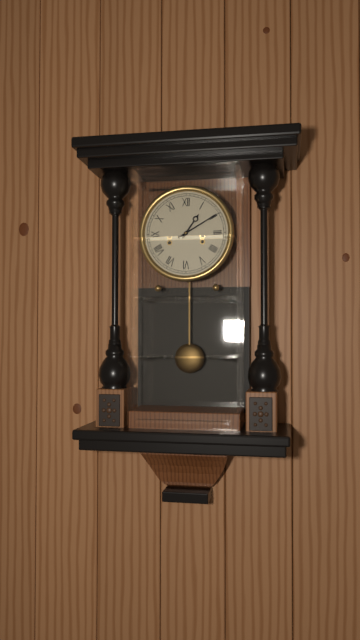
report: 1,10
